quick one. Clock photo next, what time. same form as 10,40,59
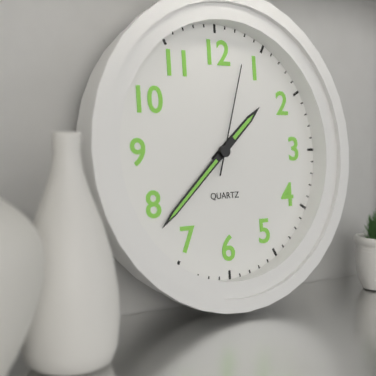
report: 1,38,03
